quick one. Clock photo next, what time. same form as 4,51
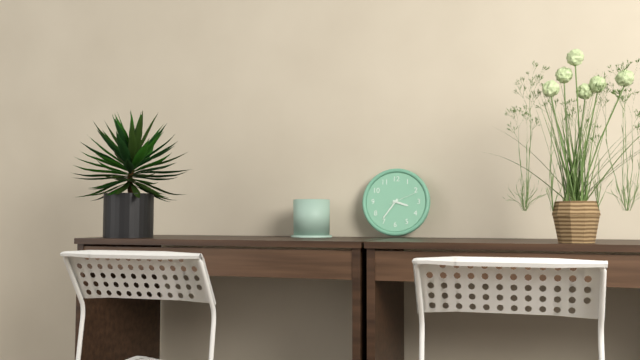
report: 3,36
